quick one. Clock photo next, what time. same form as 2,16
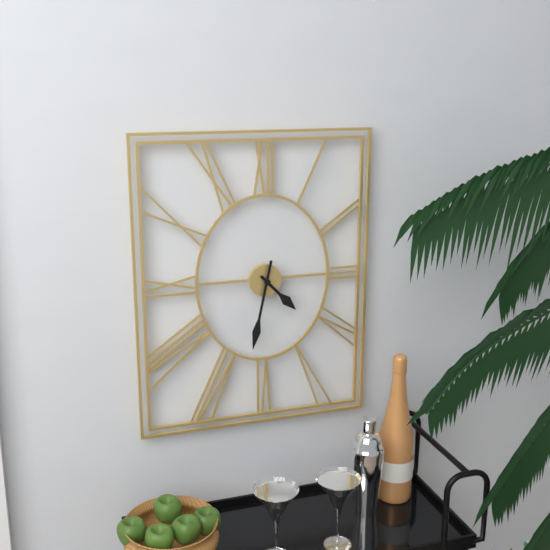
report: 4,32
